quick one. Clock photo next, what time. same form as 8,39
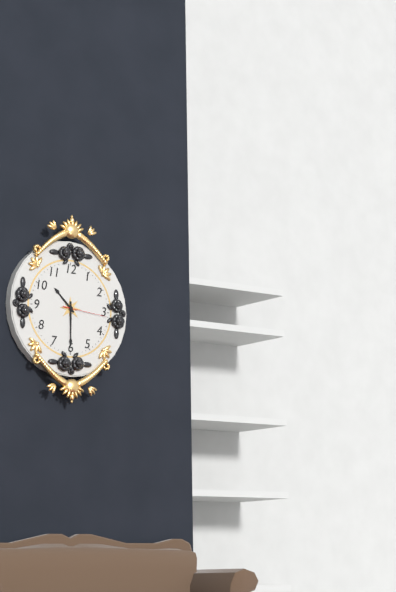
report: 10,30
